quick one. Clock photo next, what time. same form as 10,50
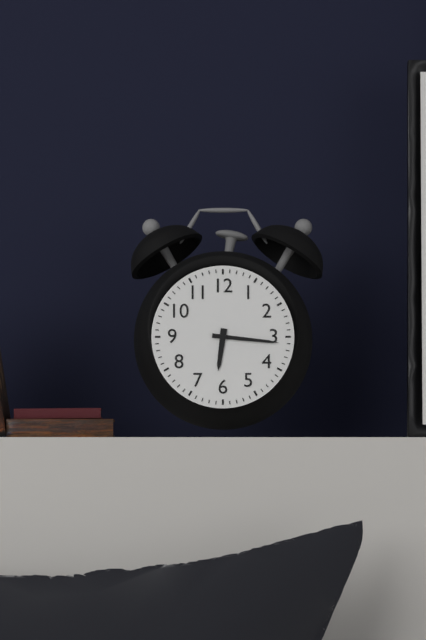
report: 6,16
